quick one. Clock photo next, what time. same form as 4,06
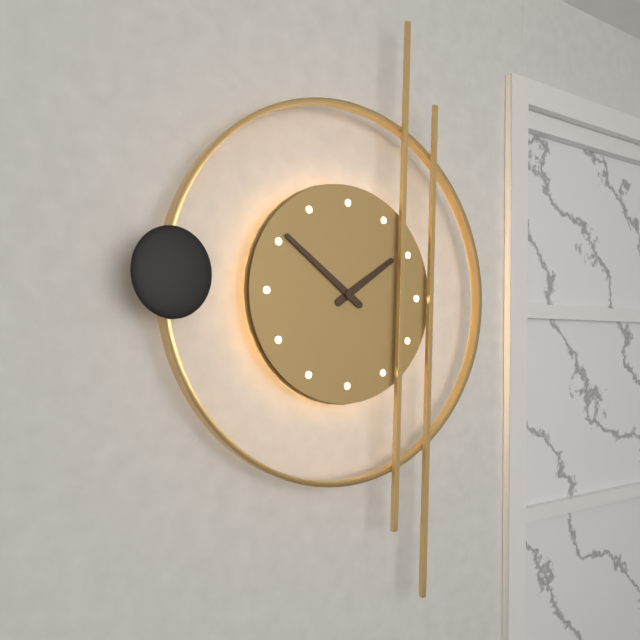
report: 1,51
